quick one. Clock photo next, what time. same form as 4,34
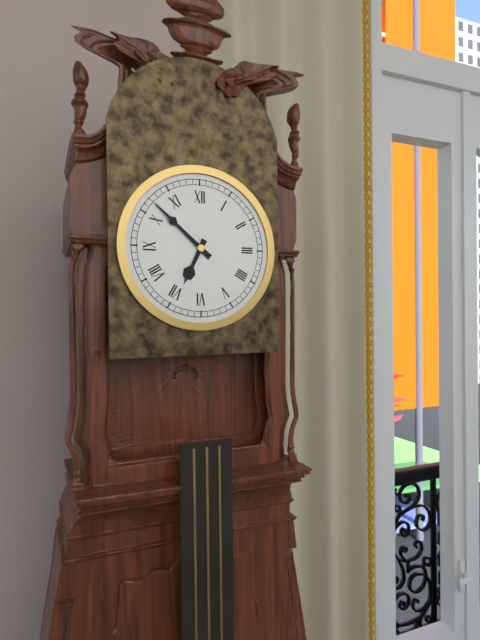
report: 6,52
